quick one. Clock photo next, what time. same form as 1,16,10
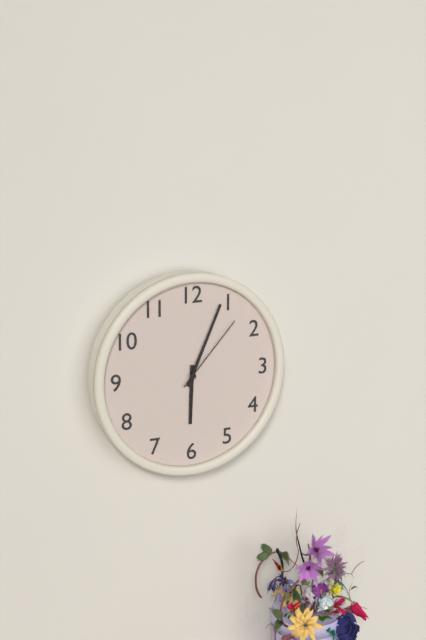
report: 6,04,07
